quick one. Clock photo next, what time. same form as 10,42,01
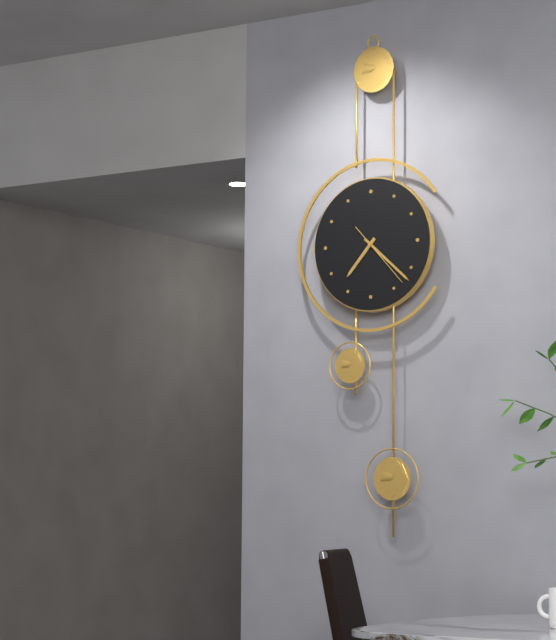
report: 7,22,23
